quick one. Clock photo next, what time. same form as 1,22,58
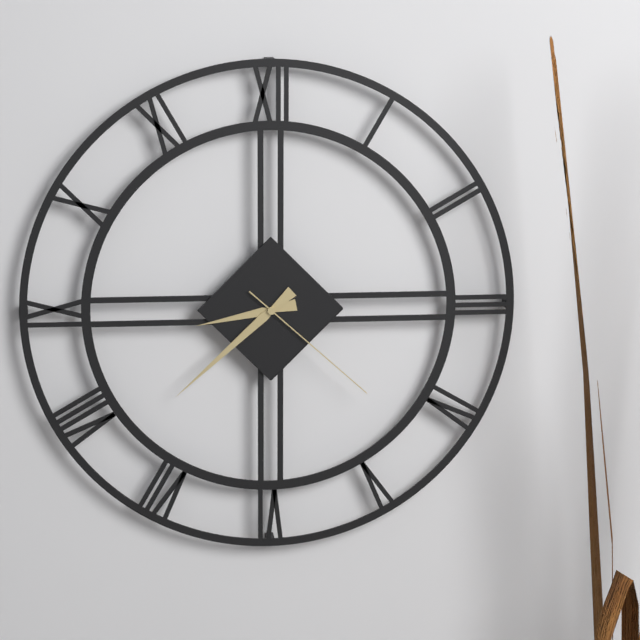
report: 8,38,22
